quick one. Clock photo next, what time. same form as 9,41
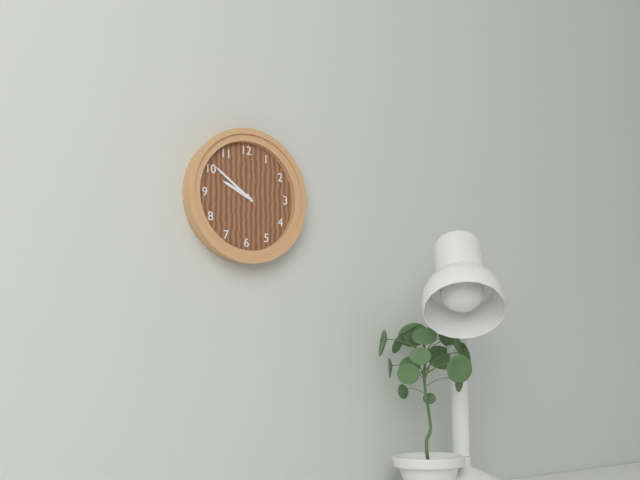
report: 9,51
